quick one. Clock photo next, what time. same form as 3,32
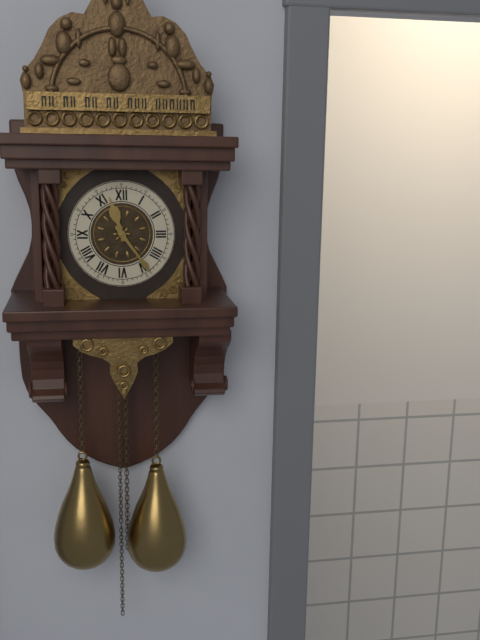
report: 11,24
